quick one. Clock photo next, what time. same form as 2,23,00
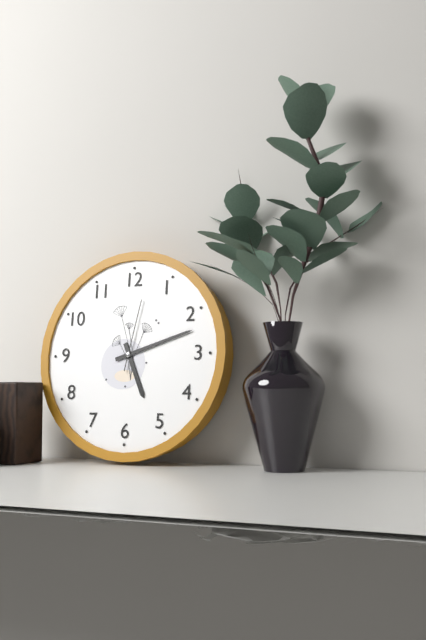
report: 5,12,02
